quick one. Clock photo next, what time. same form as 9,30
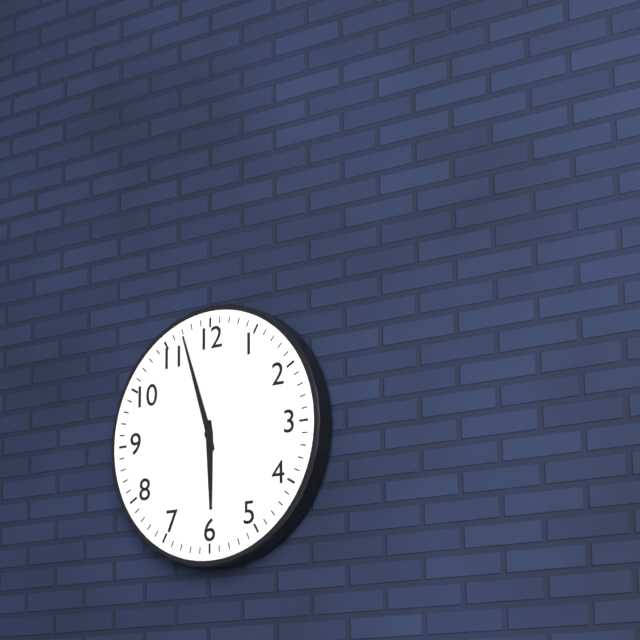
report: 5,57
